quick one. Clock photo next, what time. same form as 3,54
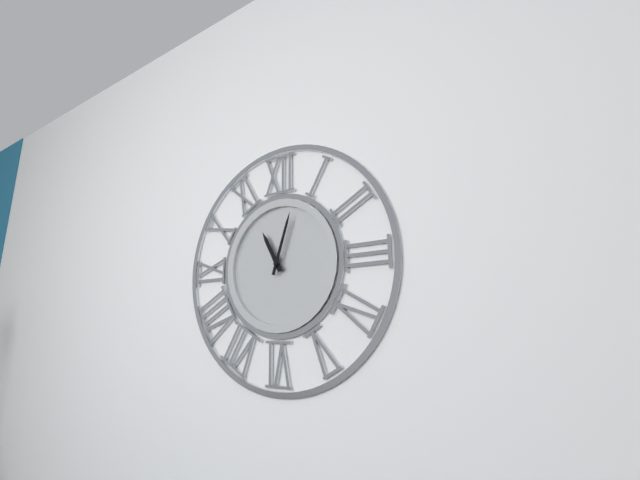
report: 11,03
